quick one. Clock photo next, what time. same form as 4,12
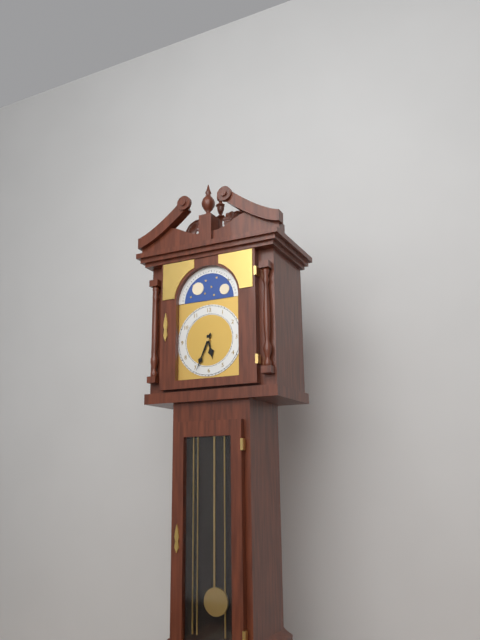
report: 5,34
